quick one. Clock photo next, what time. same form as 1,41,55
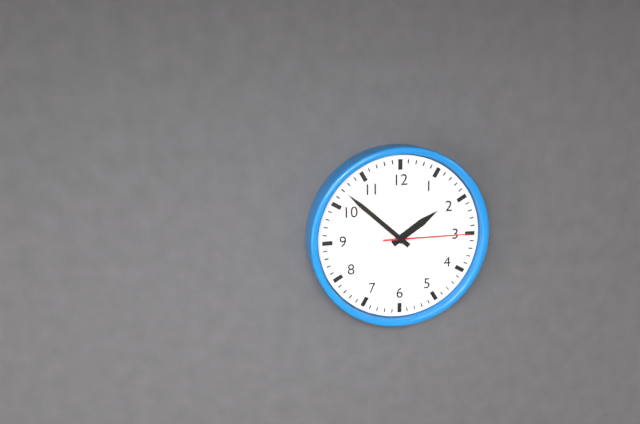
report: 1,52,15
